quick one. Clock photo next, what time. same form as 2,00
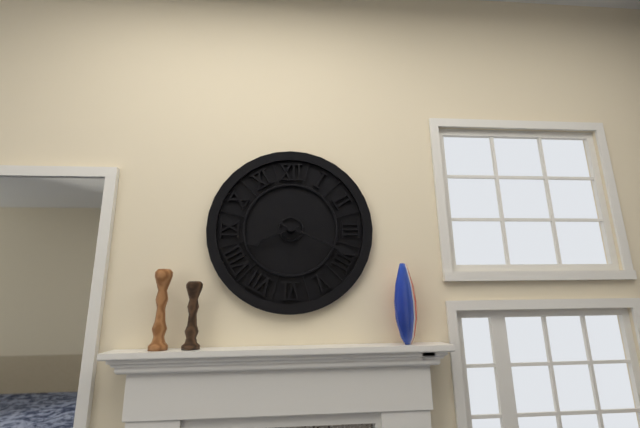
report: 8,19
